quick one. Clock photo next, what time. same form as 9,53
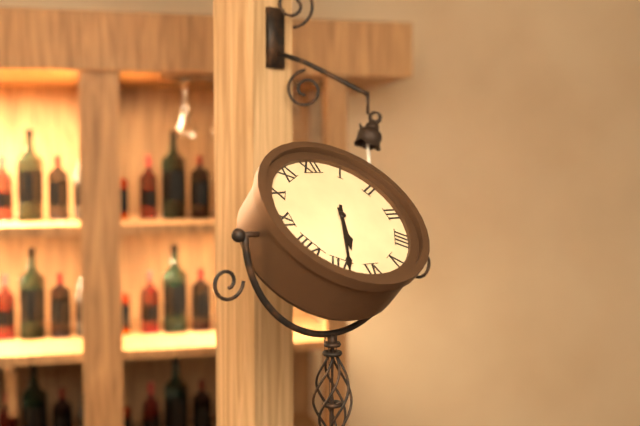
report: 6,34
